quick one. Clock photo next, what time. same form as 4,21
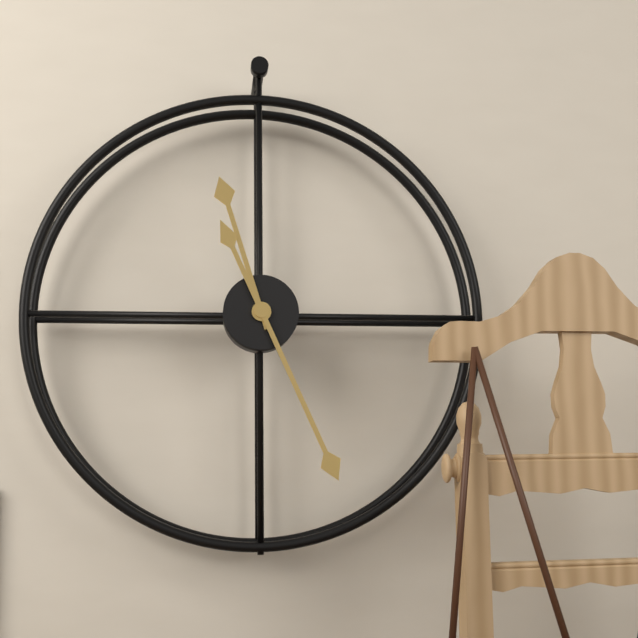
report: 11,26
